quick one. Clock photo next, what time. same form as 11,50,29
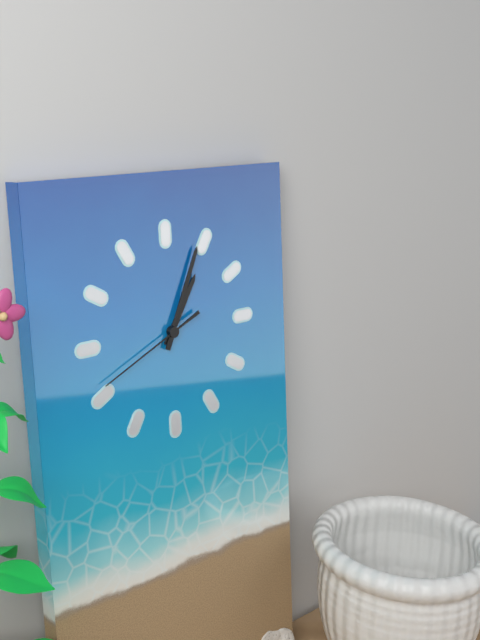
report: 1,04,41
